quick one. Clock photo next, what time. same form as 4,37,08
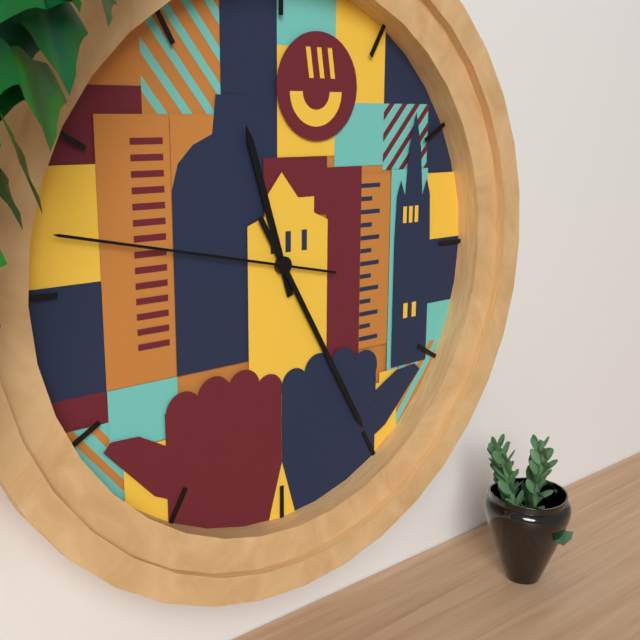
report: 11,25,47
